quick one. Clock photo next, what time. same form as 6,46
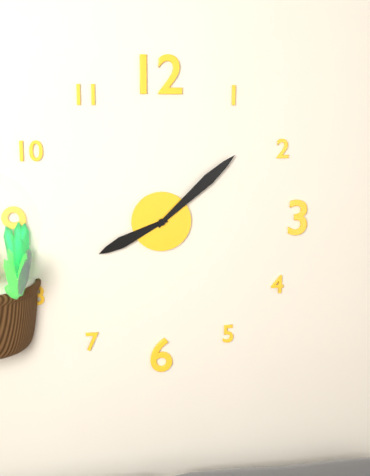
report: 8,08
